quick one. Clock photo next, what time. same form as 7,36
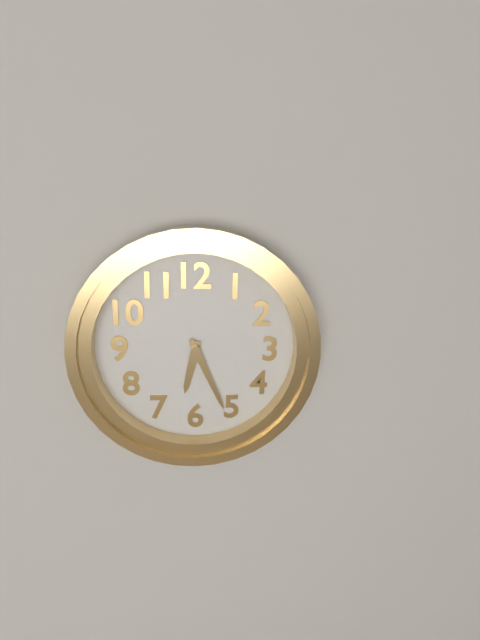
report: 6,26
